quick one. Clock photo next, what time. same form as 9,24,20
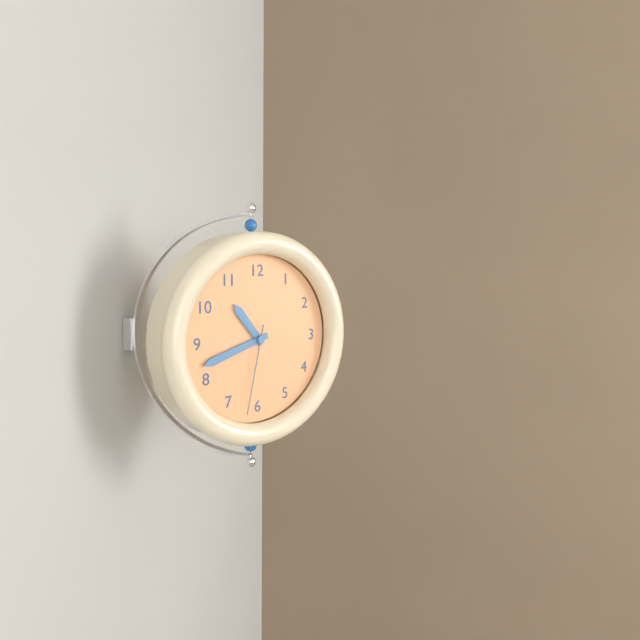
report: 10,42,32
